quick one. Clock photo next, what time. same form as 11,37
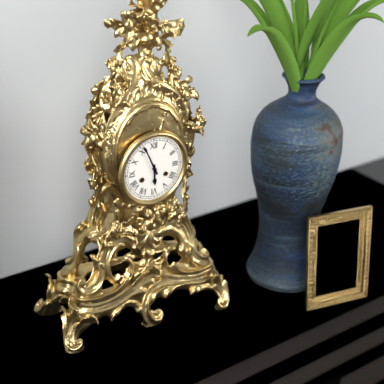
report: 5,56
